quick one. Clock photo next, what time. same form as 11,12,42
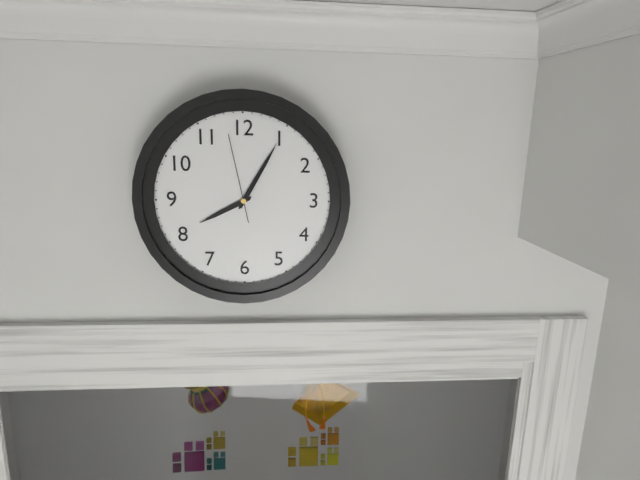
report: 8,05,58
